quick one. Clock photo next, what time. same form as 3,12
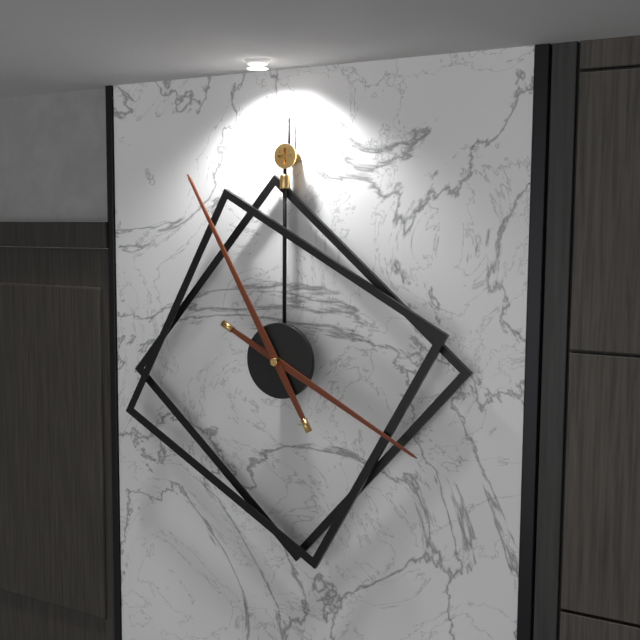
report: 3,55
